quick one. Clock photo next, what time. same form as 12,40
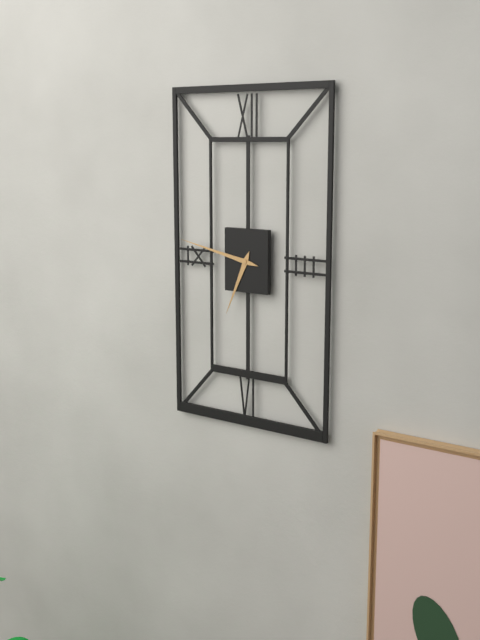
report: 6,47
